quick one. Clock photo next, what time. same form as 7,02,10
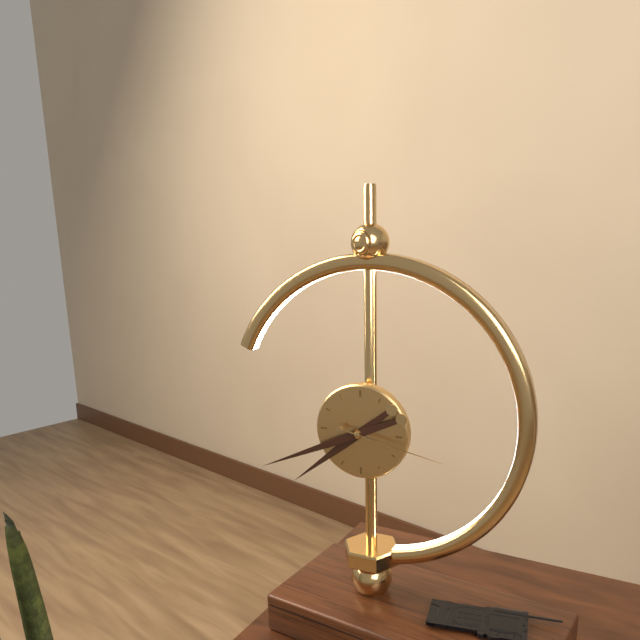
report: 7,41,17
